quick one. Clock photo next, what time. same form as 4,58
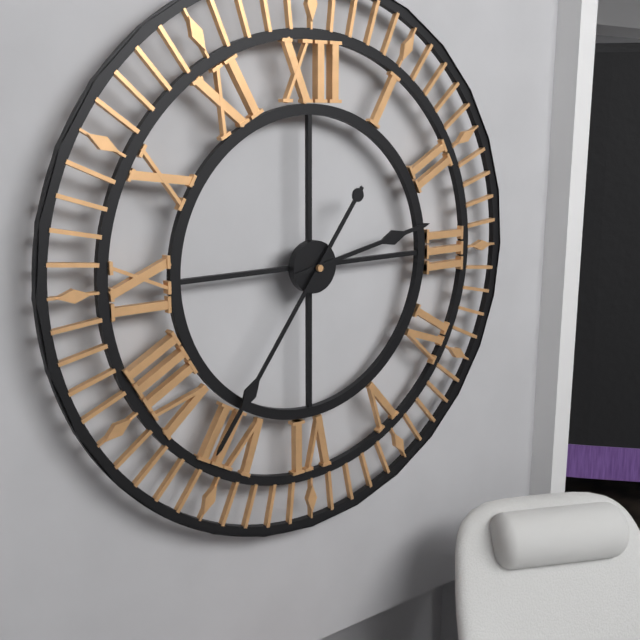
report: 2,36
